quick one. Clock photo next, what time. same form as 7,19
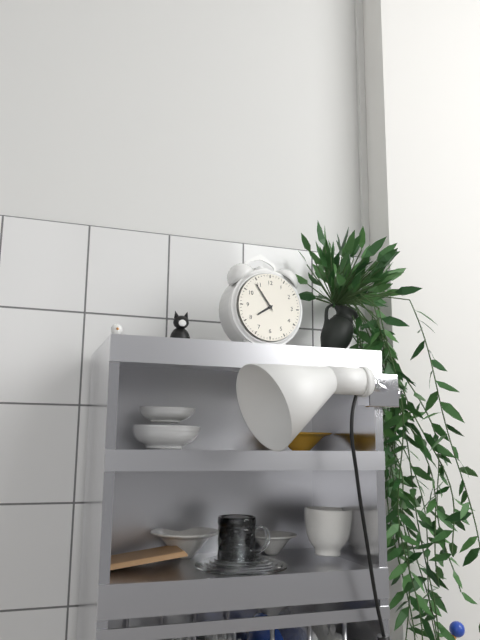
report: 7,54
